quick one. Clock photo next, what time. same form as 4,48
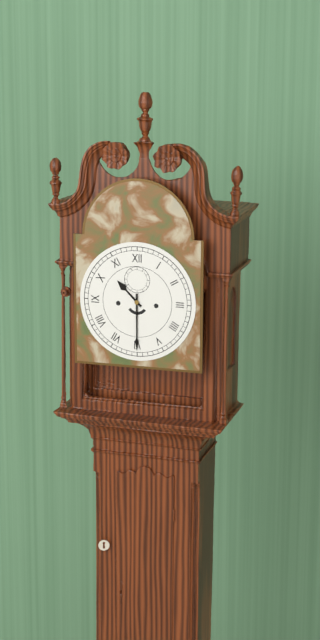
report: 10,30
